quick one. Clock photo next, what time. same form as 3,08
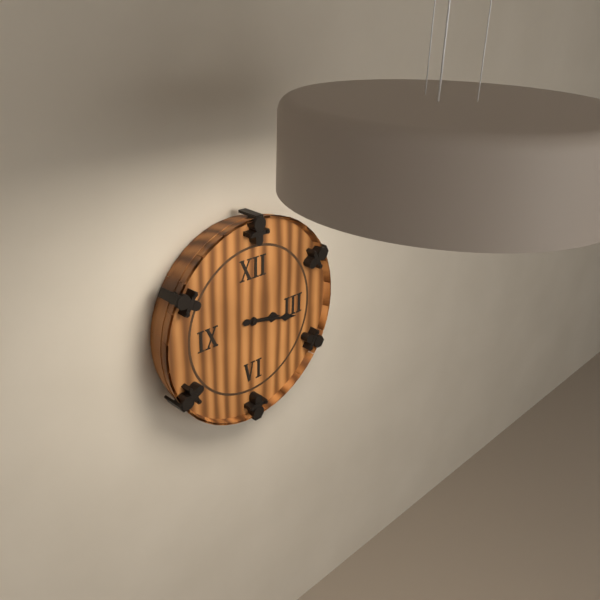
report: 3,17
